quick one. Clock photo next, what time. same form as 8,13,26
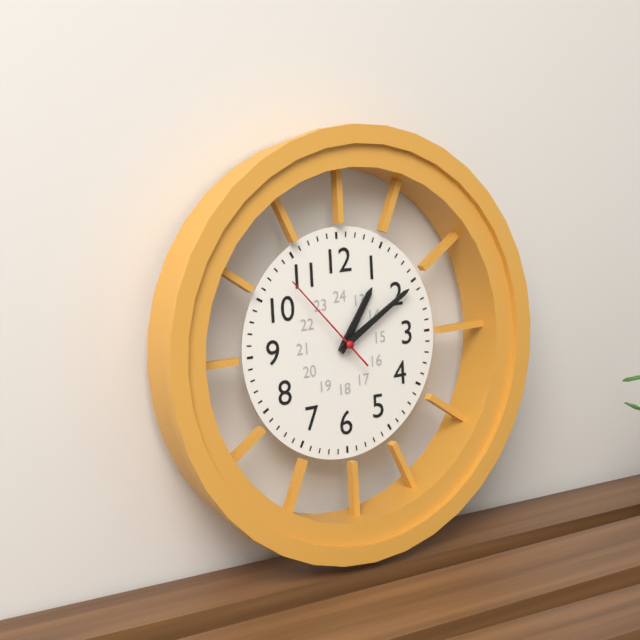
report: 1,10,53
